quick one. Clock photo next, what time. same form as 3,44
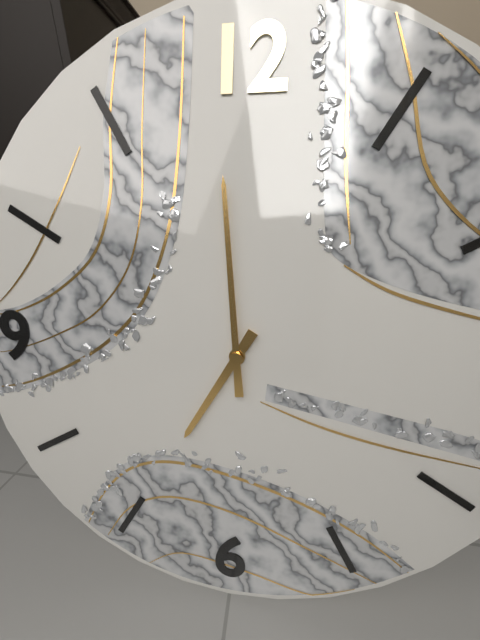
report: 6,59
